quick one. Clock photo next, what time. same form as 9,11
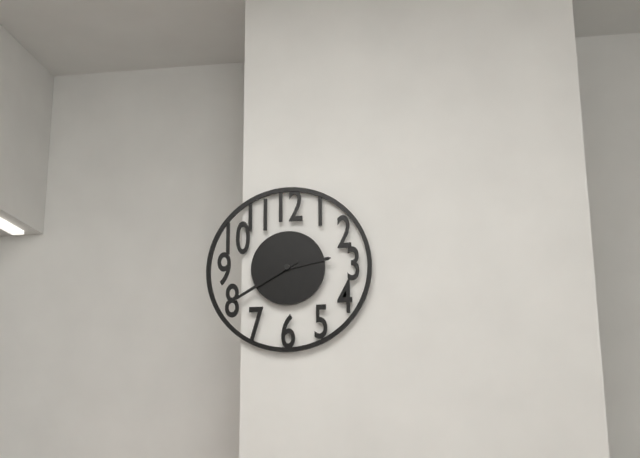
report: 2,40
